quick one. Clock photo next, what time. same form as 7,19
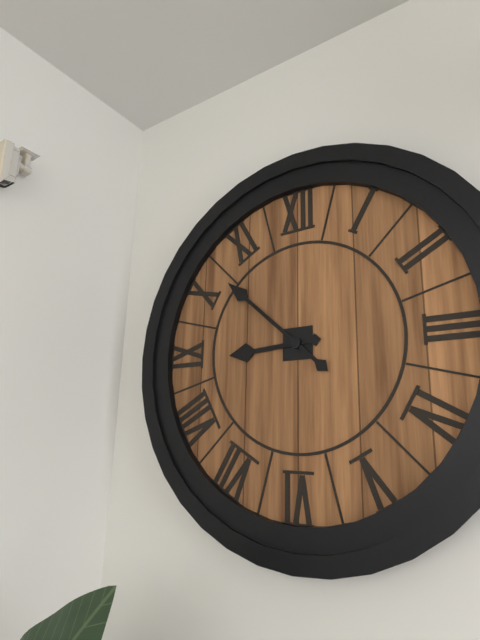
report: 8,52
